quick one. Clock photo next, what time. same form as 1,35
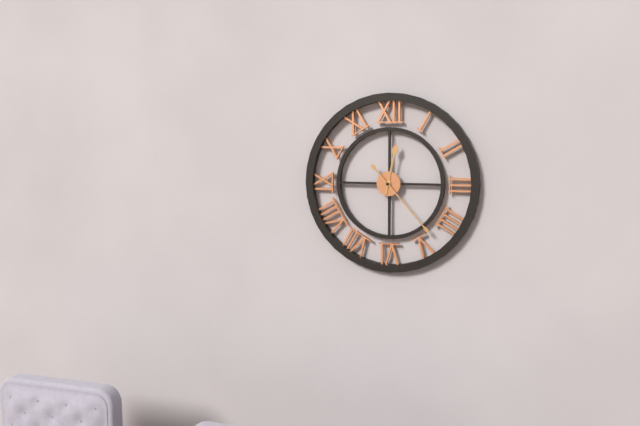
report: 12,23
